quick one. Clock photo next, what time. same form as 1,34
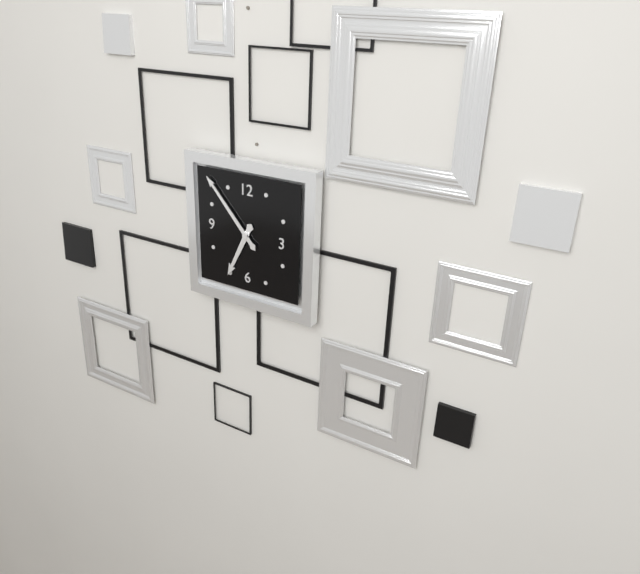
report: 6,53
